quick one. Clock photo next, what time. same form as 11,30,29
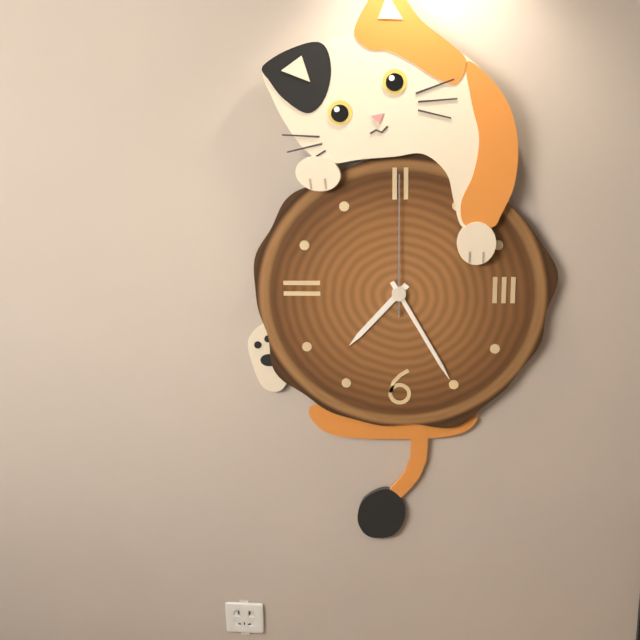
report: 7,25,00
